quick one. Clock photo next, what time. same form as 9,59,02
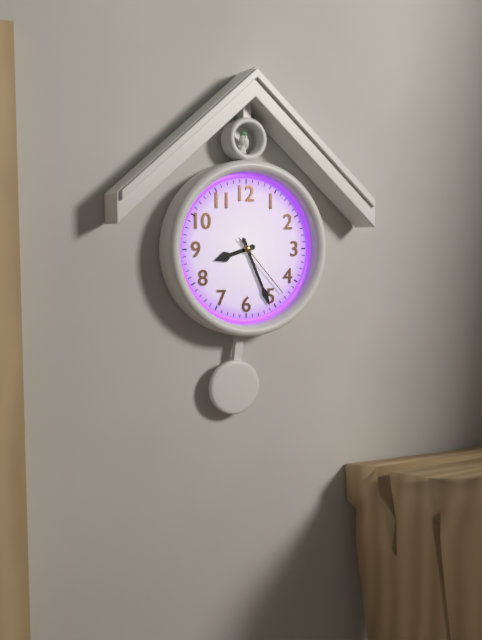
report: 8,26,23
